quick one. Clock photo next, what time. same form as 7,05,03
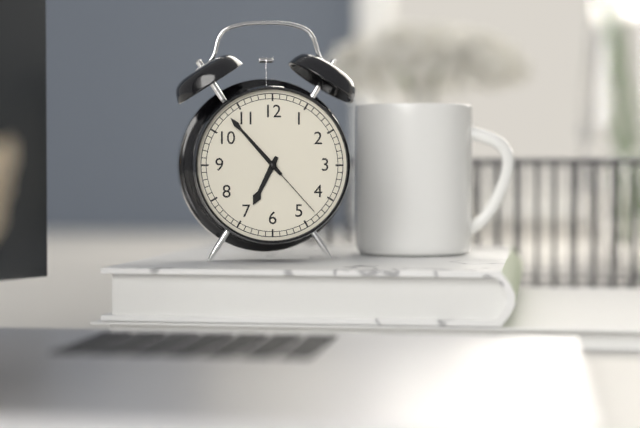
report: 6,53,23
